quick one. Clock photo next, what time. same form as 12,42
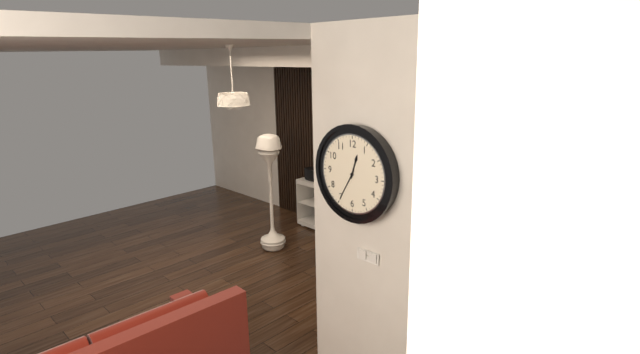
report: 12,35
